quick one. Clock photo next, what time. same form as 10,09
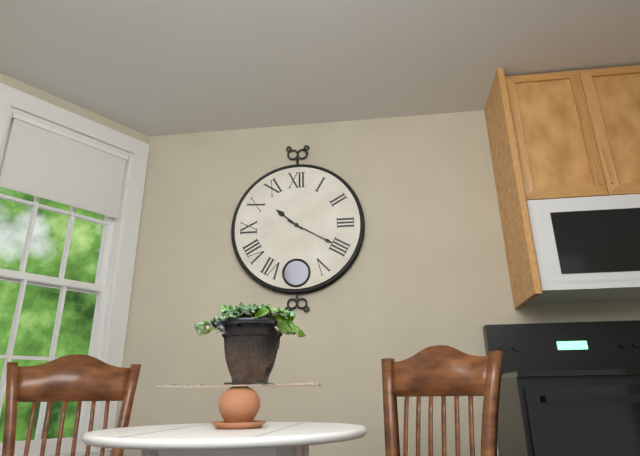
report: 10,20
